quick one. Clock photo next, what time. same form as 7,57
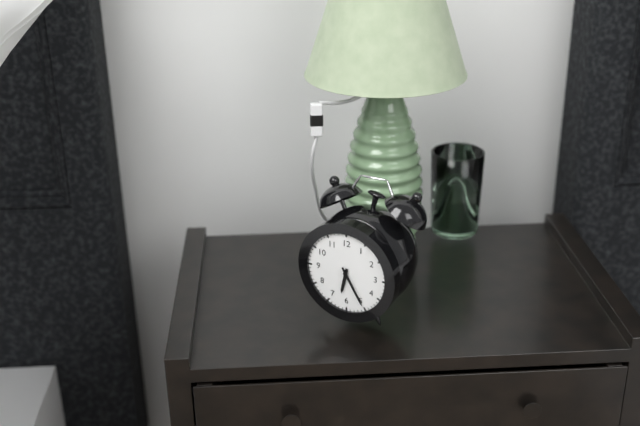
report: 6,25
